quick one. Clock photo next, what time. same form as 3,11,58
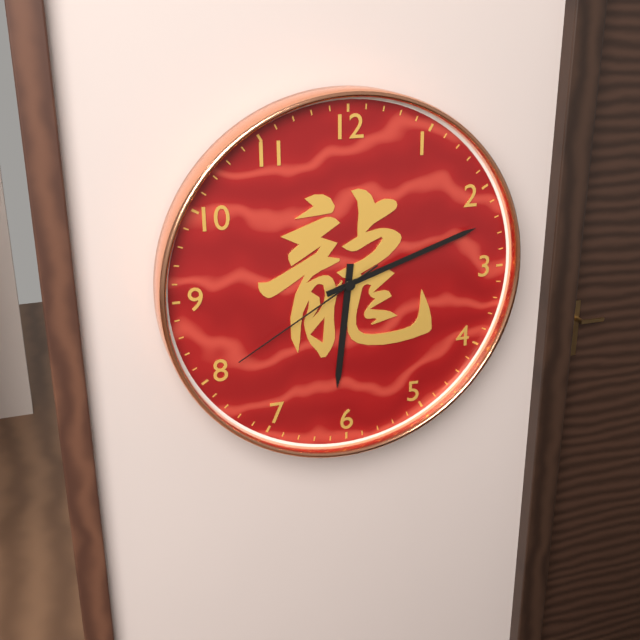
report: 6,12,40
